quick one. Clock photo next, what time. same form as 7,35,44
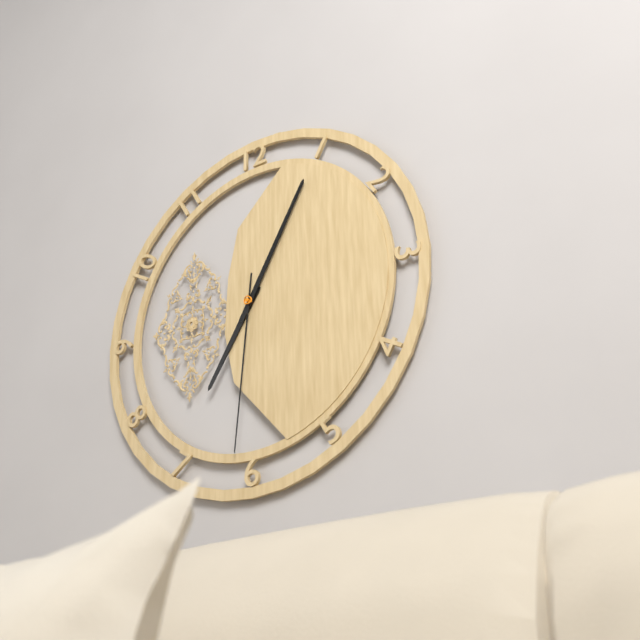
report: 7,05,31
